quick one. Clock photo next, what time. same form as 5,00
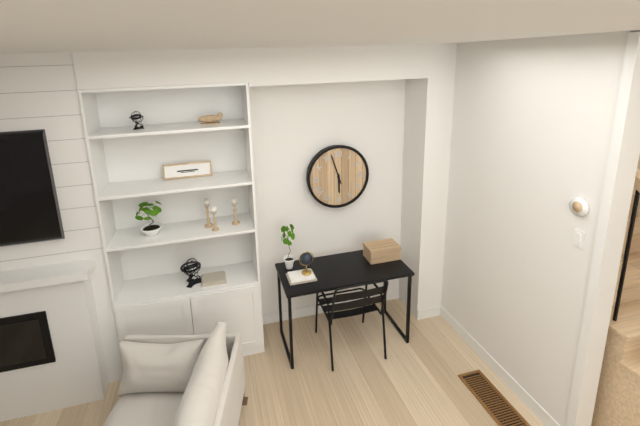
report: 5,57
